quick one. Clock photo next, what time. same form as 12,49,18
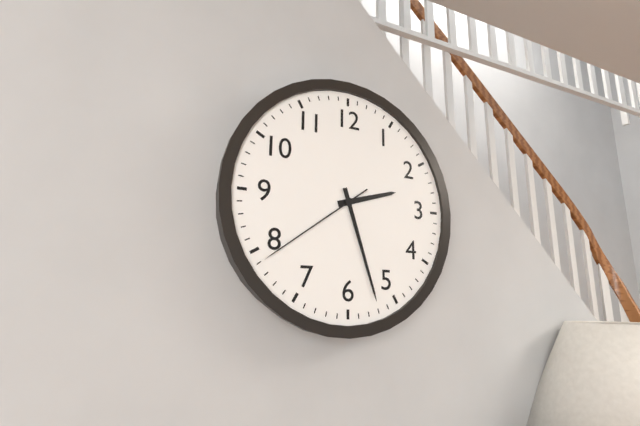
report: 2,27,39
